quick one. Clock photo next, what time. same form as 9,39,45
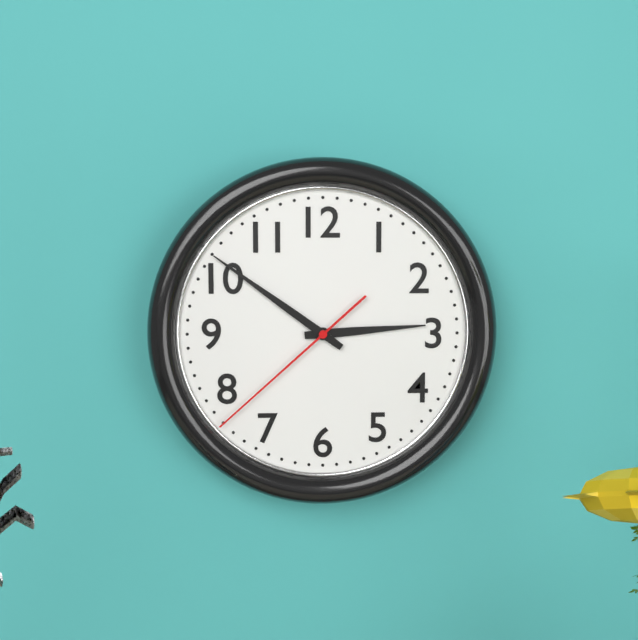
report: 2,51,38
